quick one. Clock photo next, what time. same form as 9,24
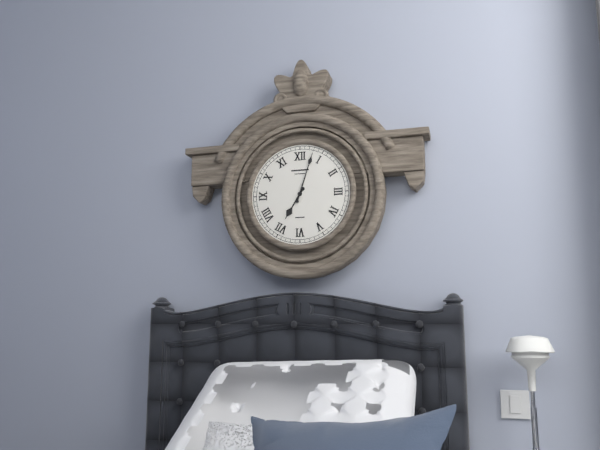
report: 7,03
